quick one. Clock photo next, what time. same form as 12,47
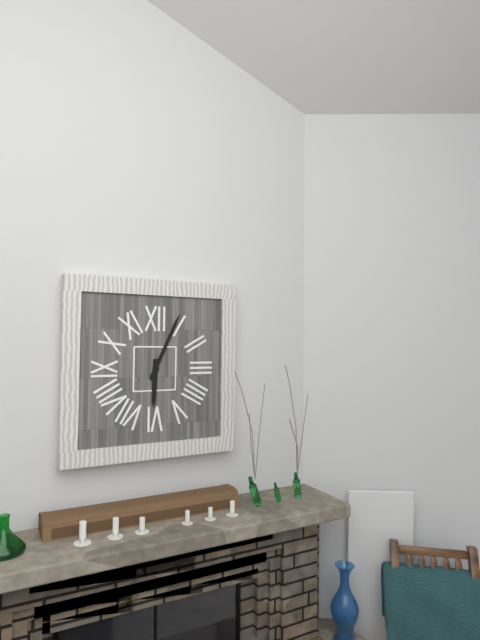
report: 6,04
